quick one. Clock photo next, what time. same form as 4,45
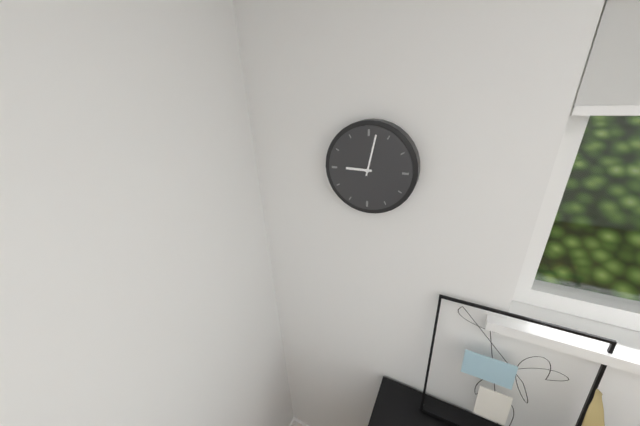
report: 9,02
